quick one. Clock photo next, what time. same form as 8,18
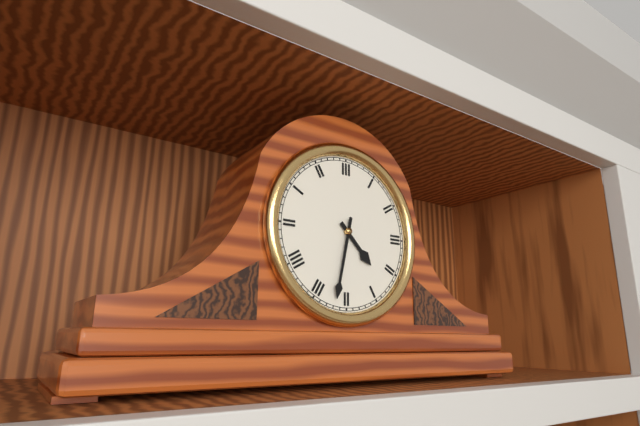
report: 4,32
